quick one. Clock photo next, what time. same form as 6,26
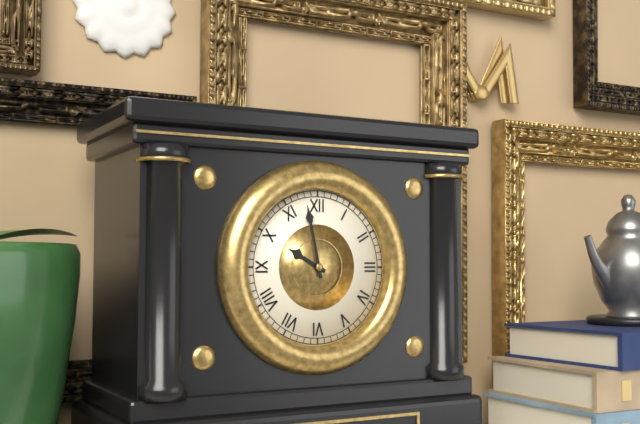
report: 9,58
